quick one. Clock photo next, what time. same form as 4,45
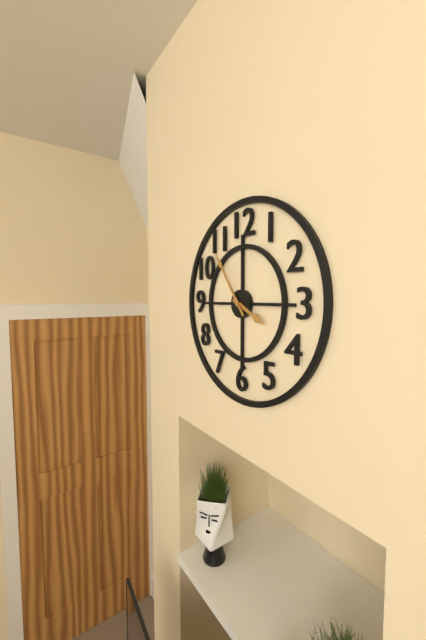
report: 3,54
